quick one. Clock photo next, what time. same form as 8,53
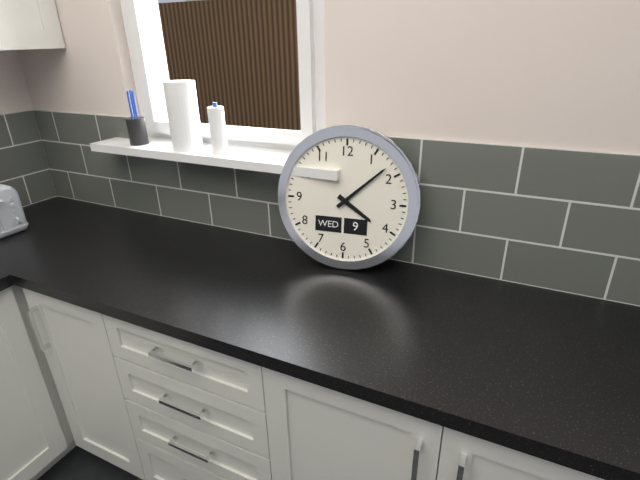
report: 4,08
